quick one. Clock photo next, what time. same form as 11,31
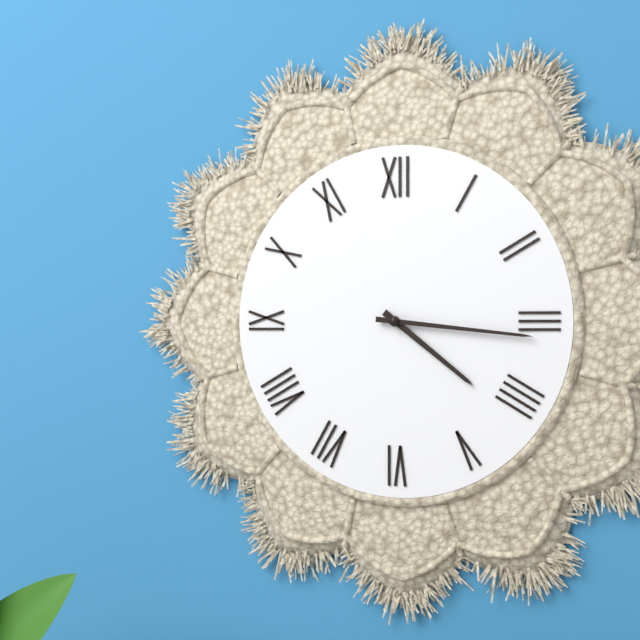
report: 4,16
